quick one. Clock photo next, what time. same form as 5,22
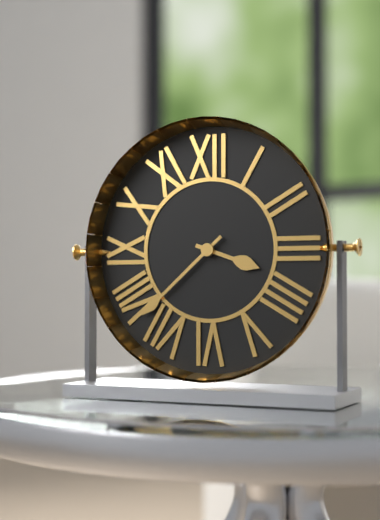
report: 3,38
